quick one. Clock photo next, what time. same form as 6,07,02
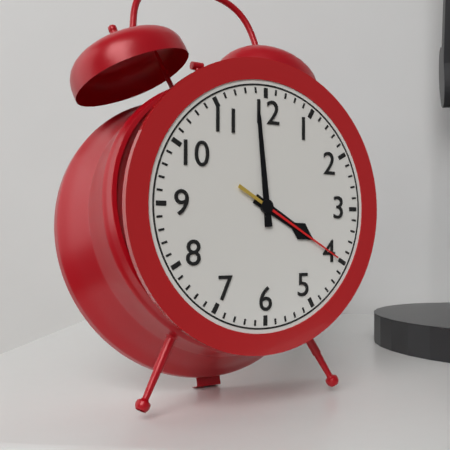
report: 3,59,20
